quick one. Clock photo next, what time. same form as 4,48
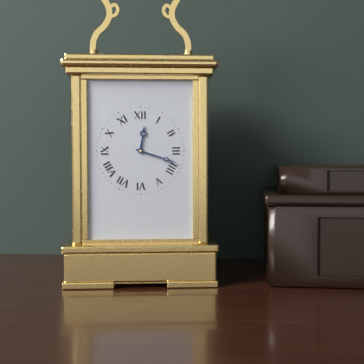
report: 12,18
